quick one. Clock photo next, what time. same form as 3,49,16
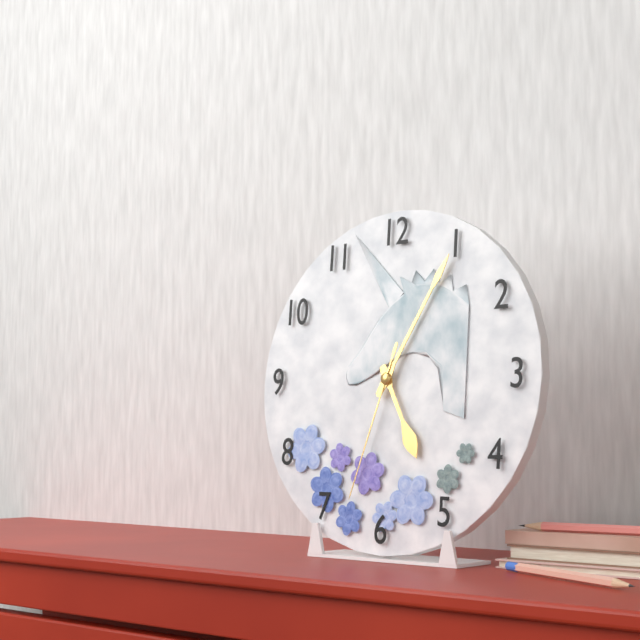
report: 5,05,33
